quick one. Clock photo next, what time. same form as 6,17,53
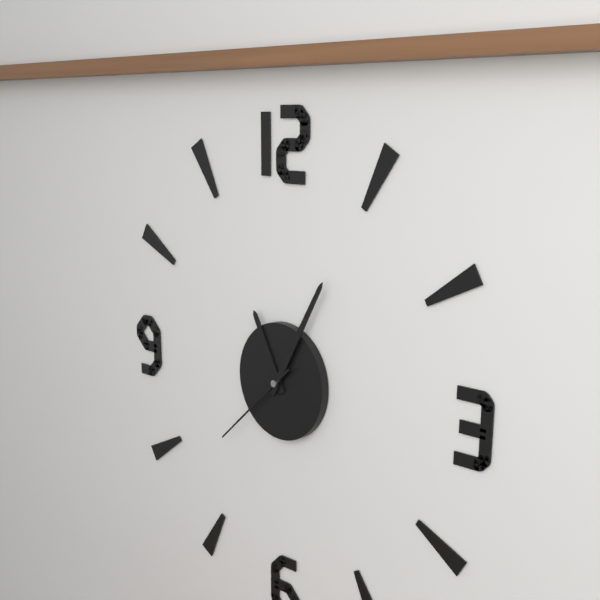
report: 11,05,38
